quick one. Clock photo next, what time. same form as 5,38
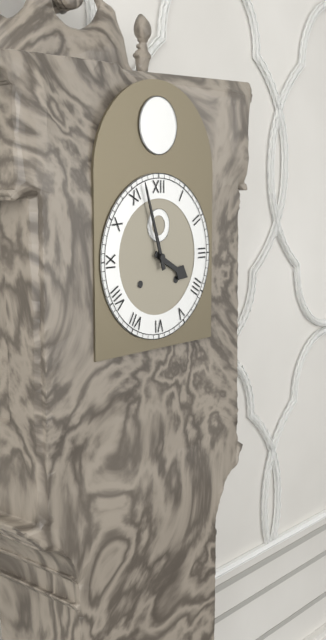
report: 3,57
